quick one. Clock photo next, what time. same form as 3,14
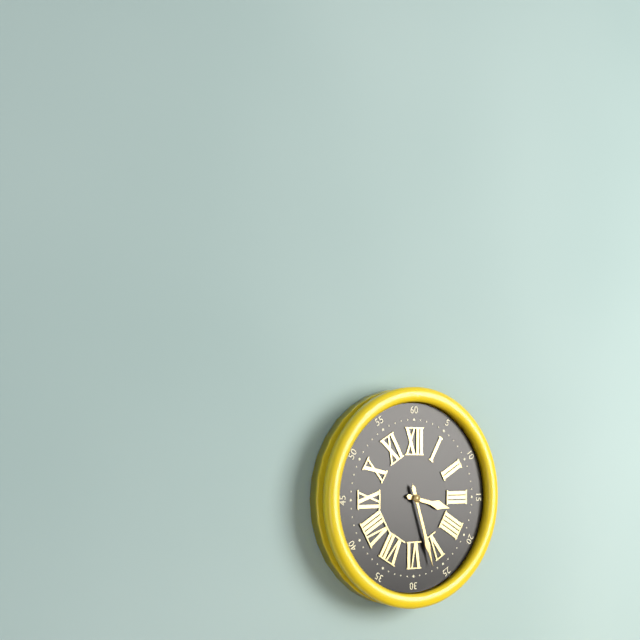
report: 3,27
